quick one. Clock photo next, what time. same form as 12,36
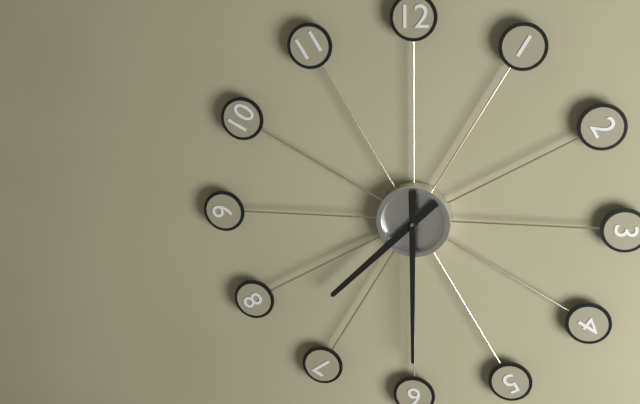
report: 7,30
